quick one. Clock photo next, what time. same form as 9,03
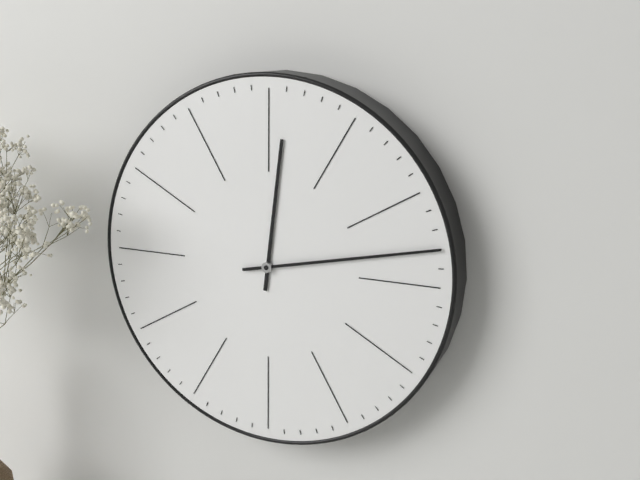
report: 12,13
